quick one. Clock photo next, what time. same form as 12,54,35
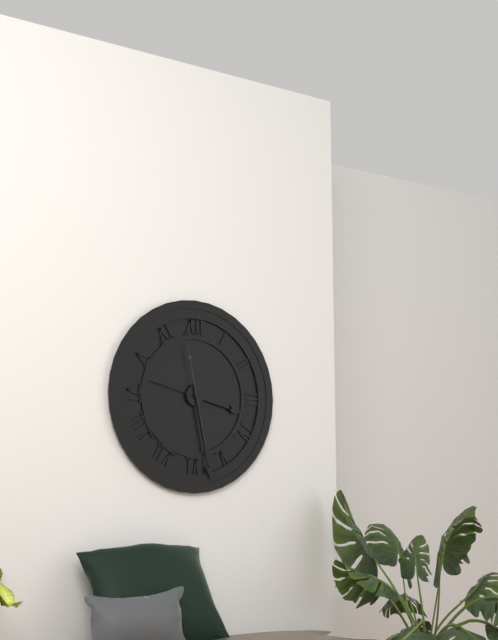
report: 3,28,28
